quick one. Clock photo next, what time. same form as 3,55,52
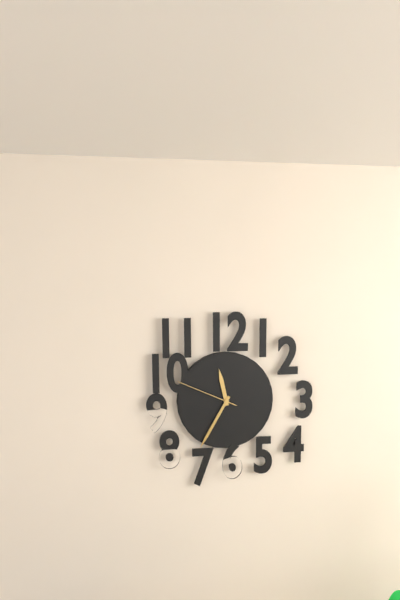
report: 11,35,49
